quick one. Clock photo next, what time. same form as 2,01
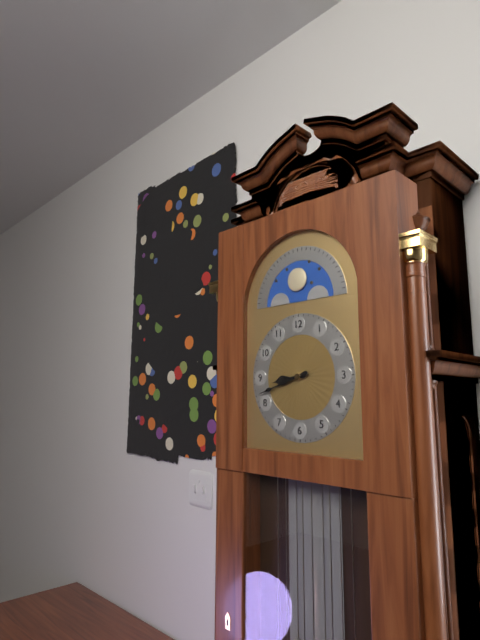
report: 8,42
